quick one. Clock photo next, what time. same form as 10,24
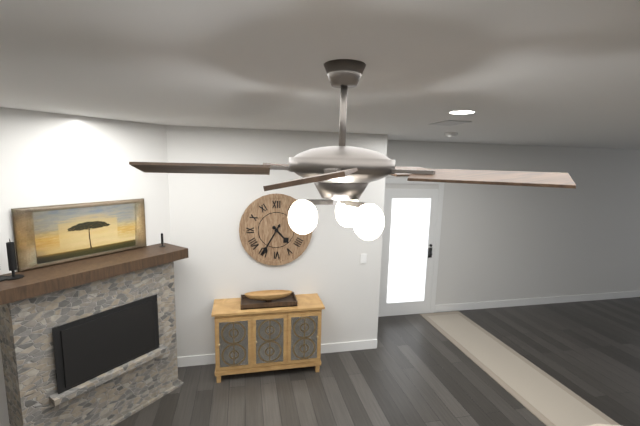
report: 4,35
